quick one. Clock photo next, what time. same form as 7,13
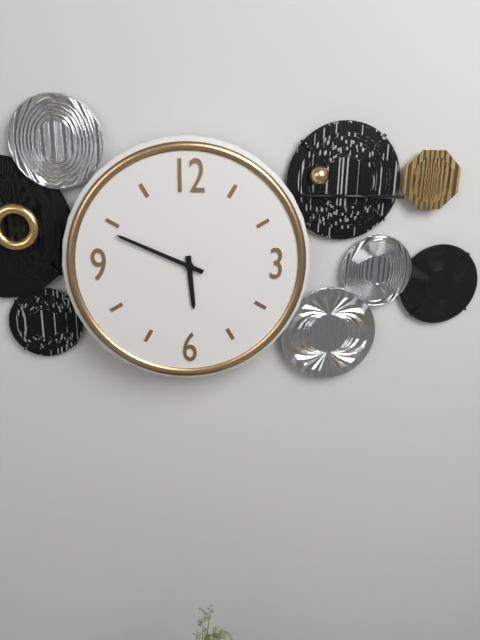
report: 5,49
